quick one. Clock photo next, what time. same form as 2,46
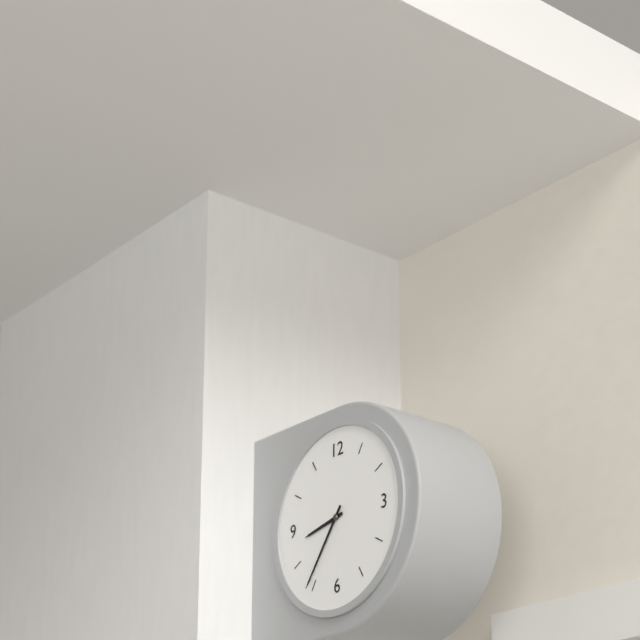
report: 8,36
